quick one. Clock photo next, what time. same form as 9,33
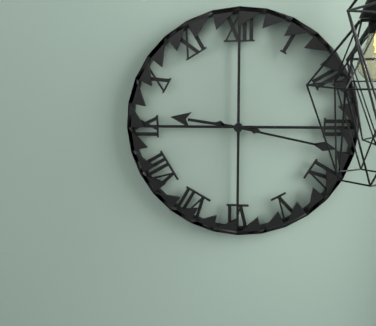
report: 9,17
